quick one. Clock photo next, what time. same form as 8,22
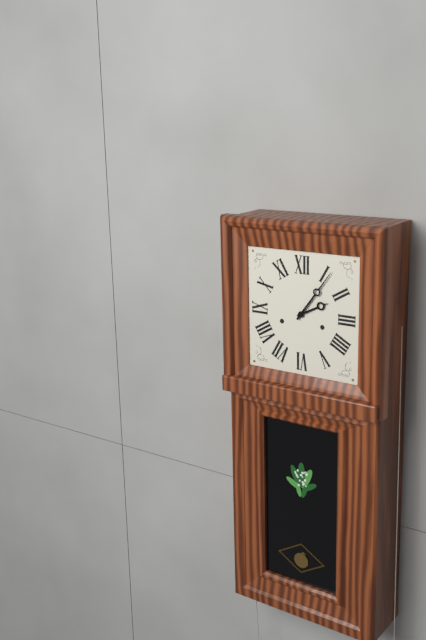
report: 2,06
